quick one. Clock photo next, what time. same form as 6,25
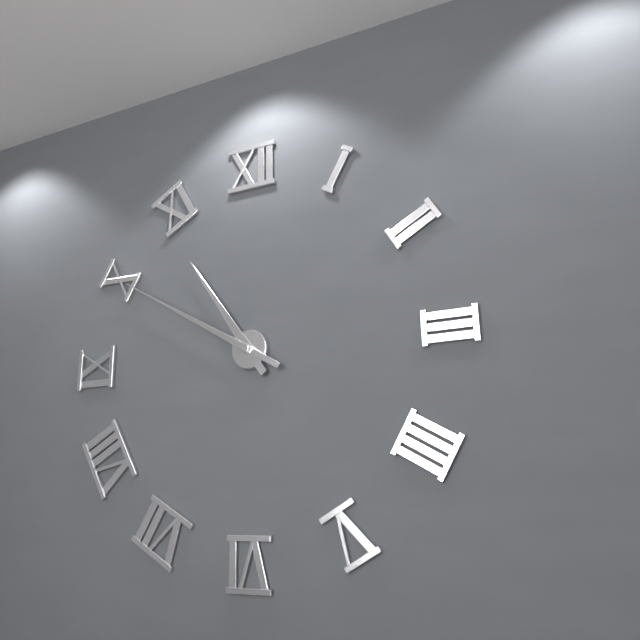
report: 10,50
